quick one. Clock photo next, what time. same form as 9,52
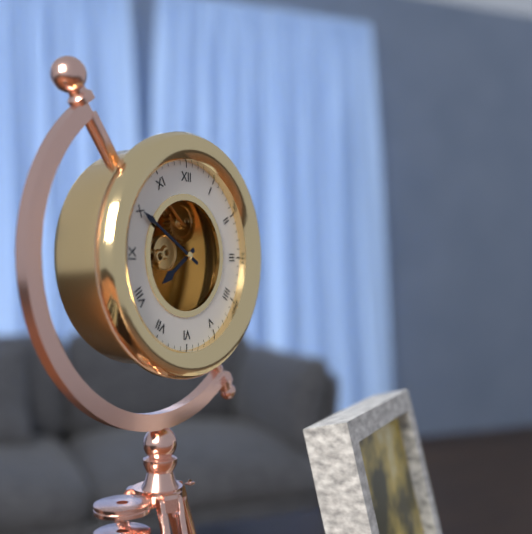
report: 7,50
